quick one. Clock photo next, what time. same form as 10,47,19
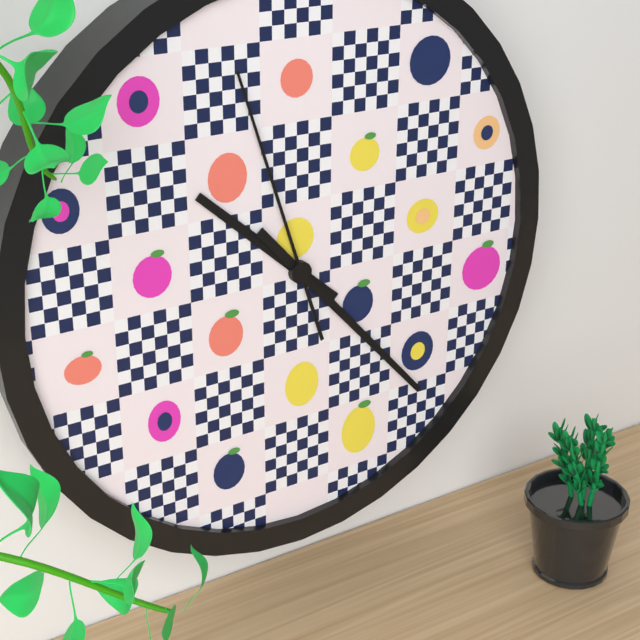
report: 10,23,57
